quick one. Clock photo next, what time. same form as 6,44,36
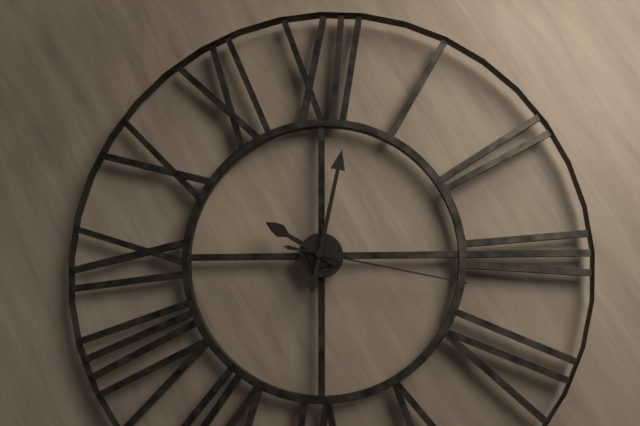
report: 10,02,17
